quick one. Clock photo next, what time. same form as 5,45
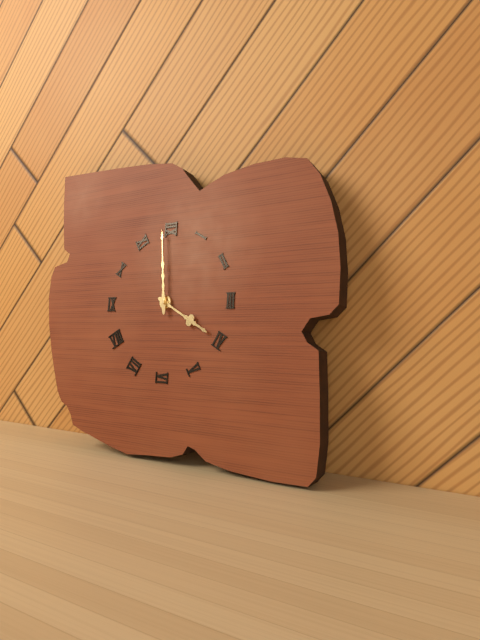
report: 3,59
